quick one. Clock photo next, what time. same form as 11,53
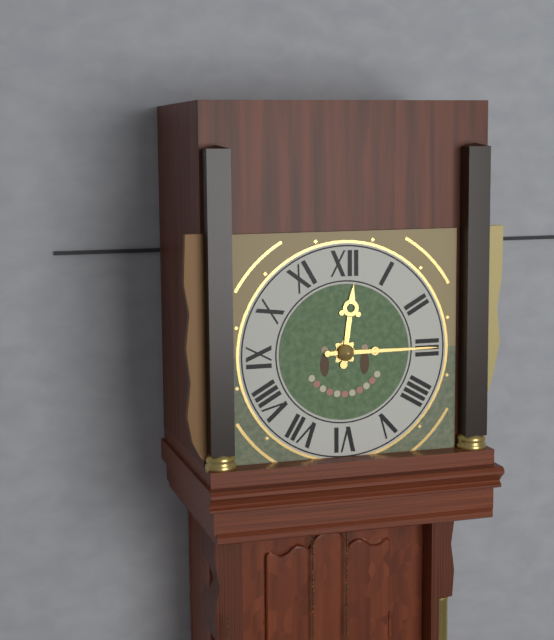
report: 12,15
